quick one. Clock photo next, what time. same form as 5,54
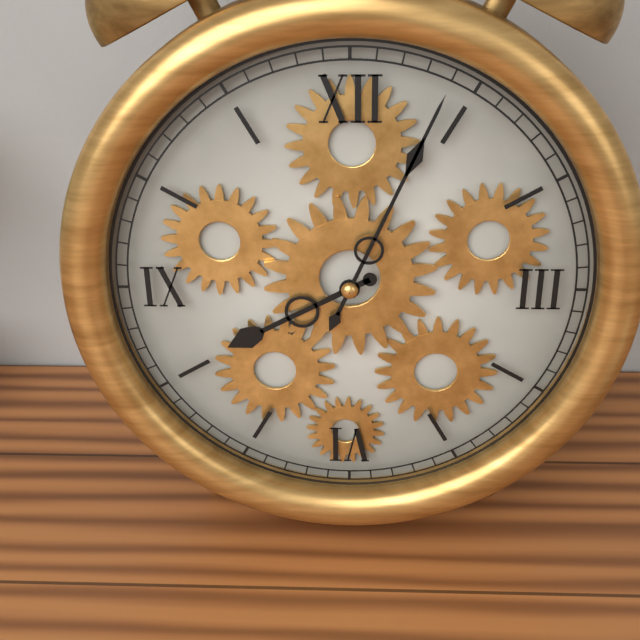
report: 8,04
